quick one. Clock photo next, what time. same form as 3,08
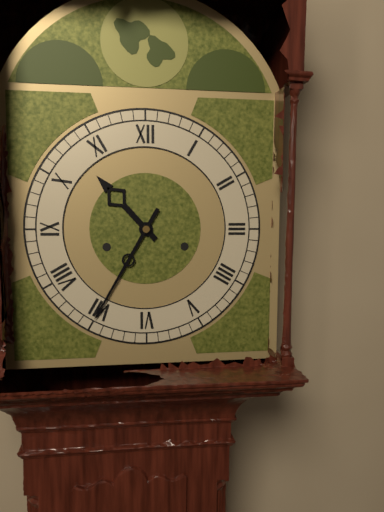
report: 10,35
